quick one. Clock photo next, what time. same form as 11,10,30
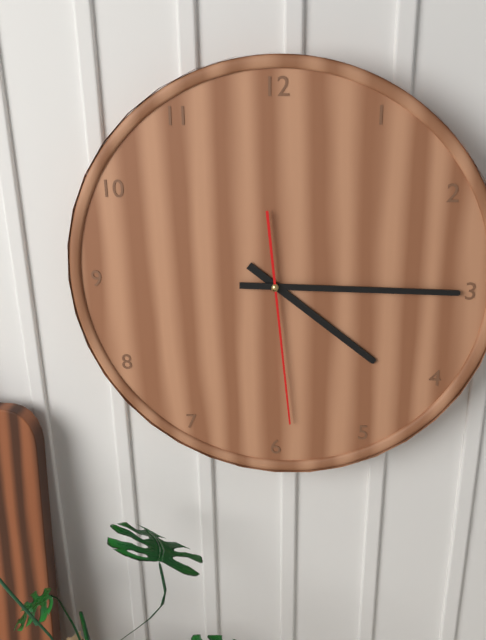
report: 4,15,29
